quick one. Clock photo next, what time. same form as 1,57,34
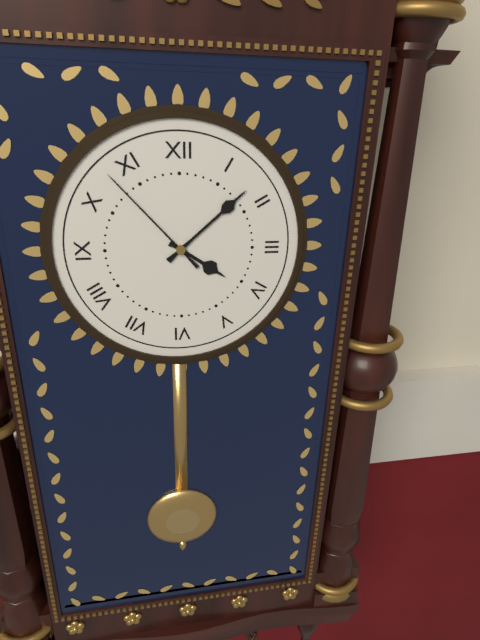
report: 4,08,53
